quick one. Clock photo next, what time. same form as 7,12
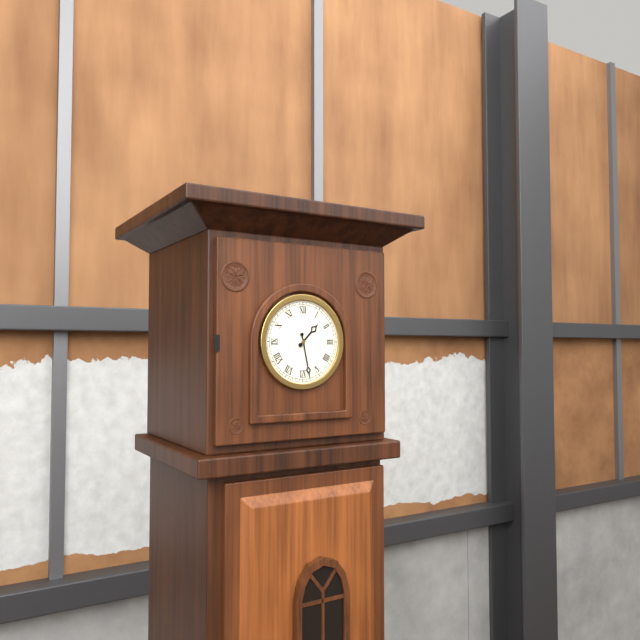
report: 1,28
